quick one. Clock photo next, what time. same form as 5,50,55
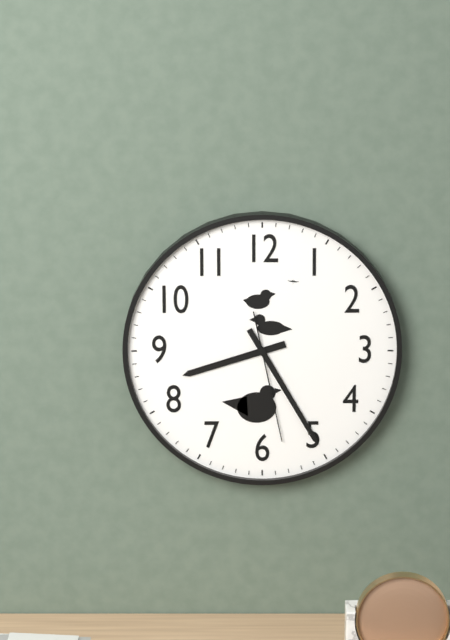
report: 8,25,28
